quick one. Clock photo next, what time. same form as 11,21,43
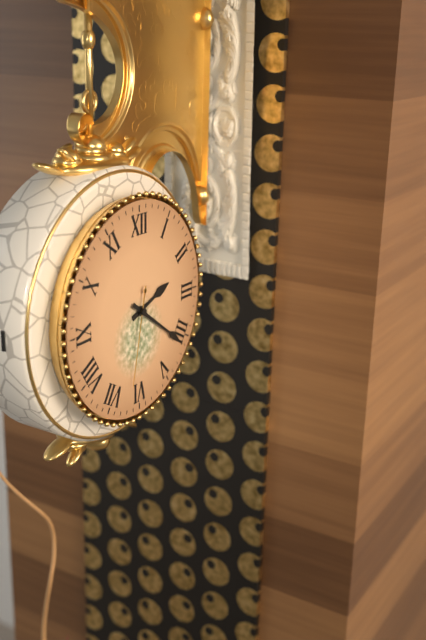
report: 2,21,32
